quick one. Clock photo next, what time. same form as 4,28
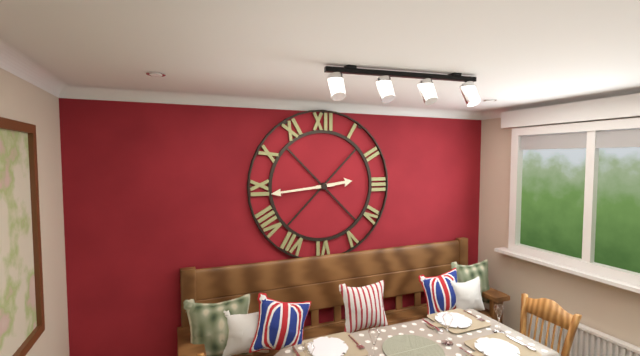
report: 2,44
